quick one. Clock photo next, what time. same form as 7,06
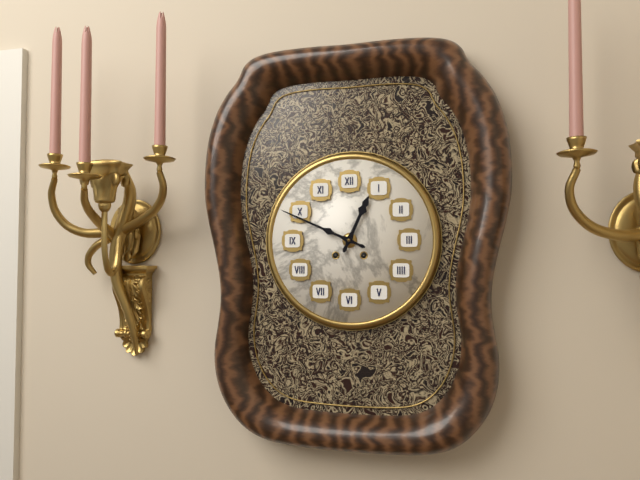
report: 12,49
